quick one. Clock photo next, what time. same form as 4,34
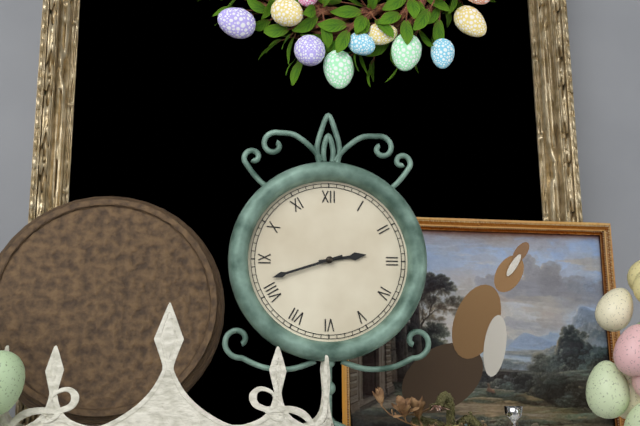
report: 2,42
